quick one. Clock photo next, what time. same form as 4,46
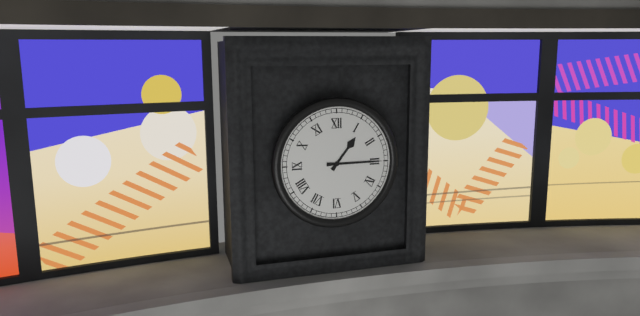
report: 1,15
